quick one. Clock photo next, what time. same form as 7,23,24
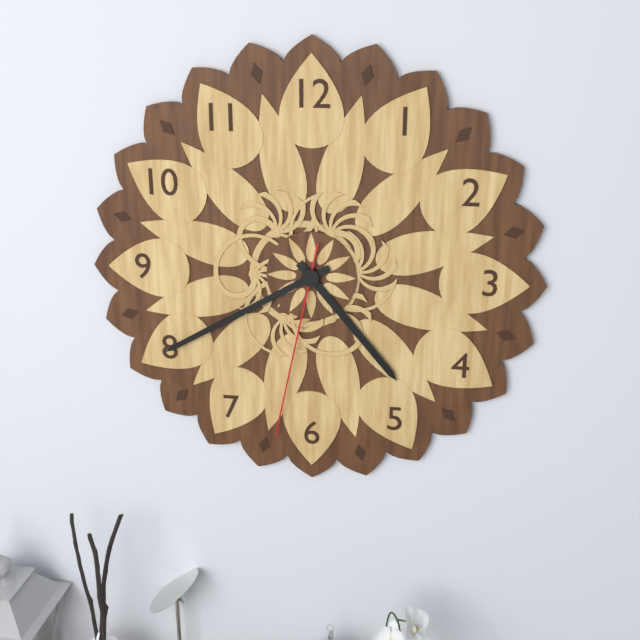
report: 4,40,32
